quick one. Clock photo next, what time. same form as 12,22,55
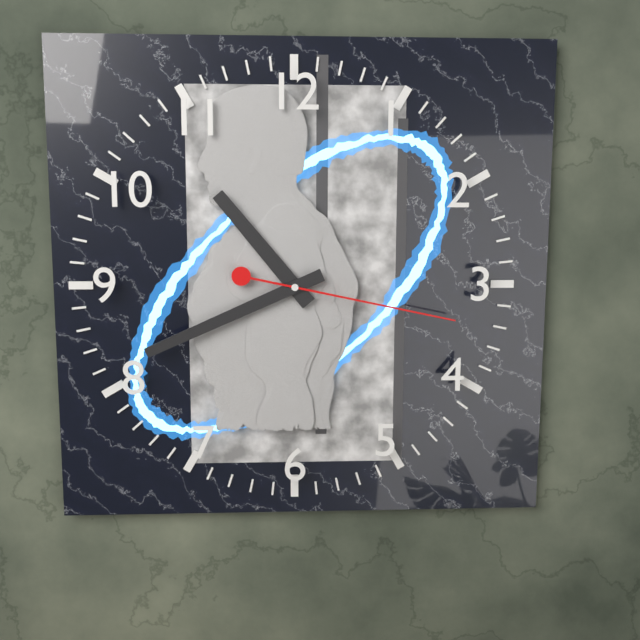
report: 10,41,17
